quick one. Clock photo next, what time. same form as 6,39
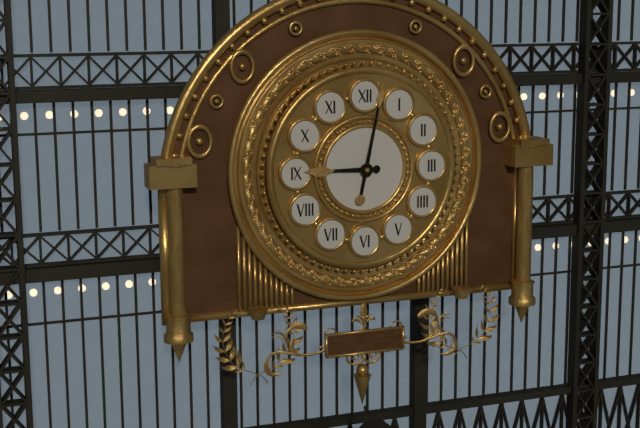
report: 9,02
